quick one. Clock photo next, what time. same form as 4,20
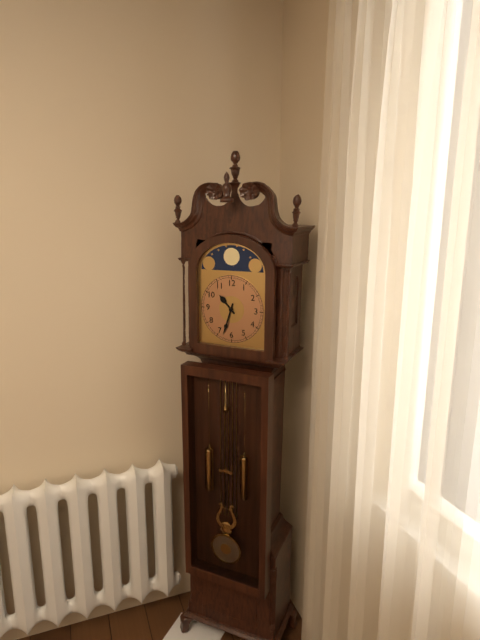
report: 10,33
